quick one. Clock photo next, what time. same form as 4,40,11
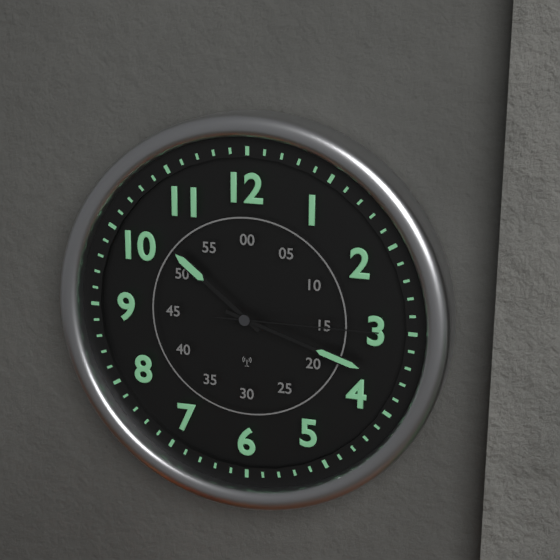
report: 10,18,15
